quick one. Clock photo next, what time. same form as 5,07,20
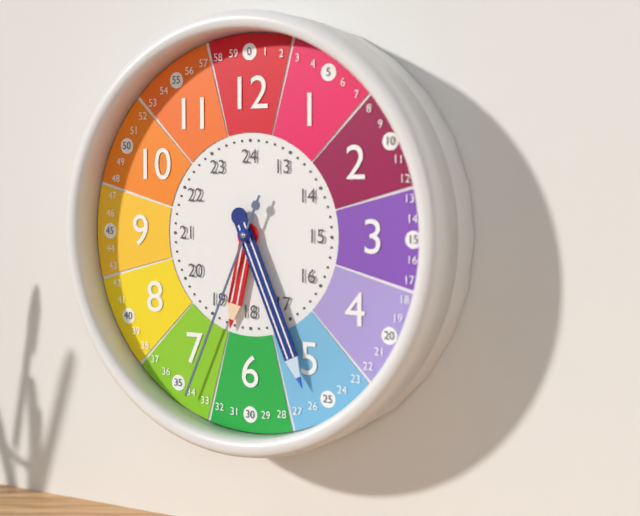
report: 6,26,34
